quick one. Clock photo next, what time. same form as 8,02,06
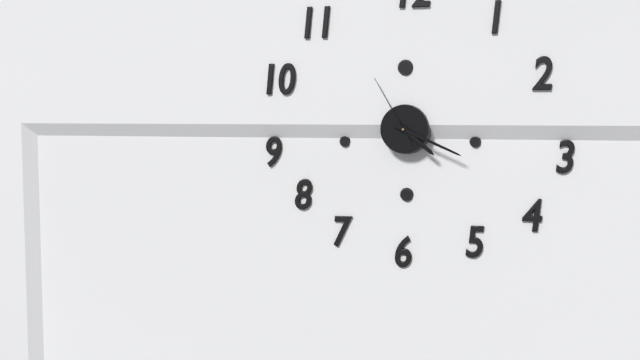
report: 4,19,55
